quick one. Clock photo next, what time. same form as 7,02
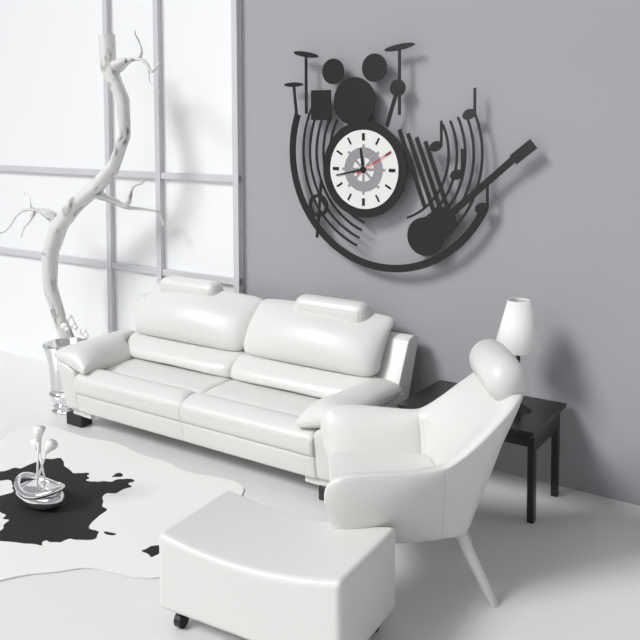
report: 11,43
